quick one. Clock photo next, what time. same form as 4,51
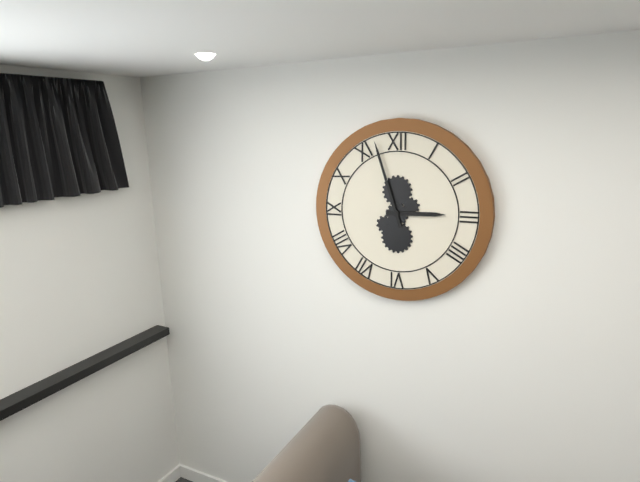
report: 2,57
